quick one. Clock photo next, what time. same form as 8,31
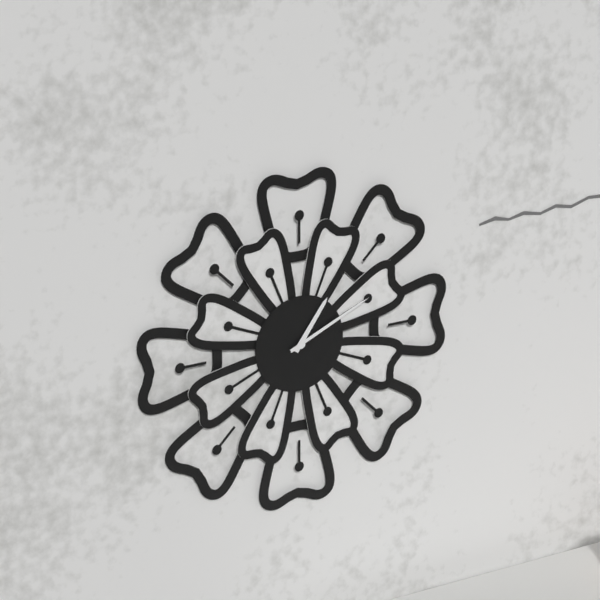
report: 1,11
